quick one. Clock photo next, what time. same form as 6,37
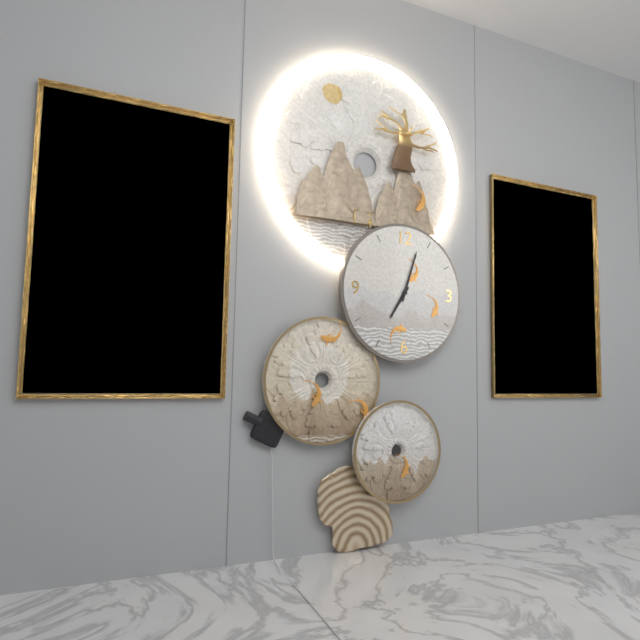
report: 7,03
